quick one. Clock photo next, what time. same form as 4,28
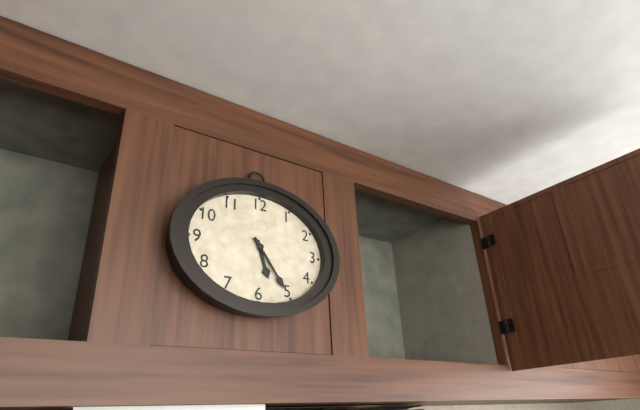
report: 5,24
